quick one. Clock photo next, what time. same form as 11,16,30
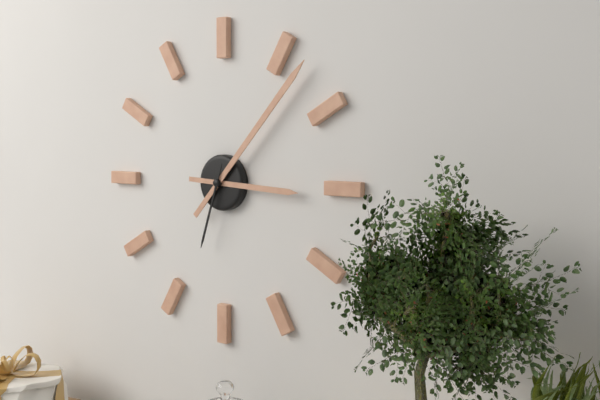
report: 3,07,33
